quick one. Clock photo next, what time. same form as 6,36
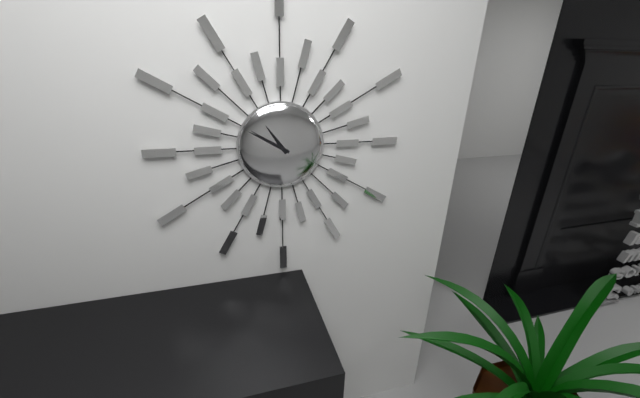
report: 10,50
